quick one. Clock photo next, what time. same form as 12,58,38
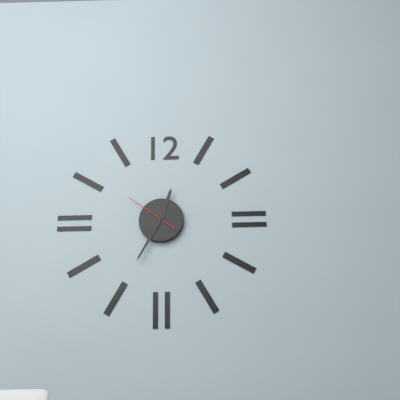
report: 12,35,51
